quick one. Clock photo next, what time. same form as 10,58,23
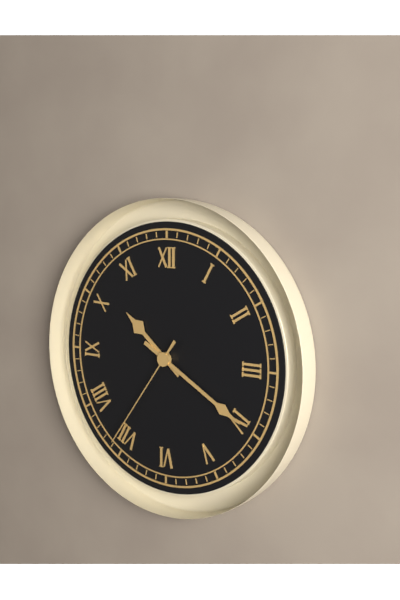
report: 10,20,36
